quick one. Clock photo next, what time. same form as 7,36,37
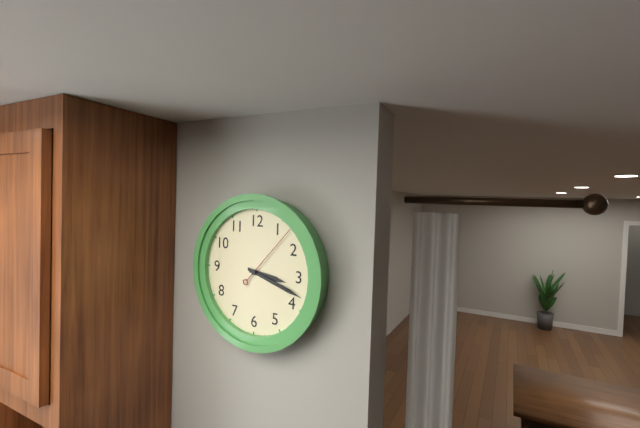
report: 3,18,07
